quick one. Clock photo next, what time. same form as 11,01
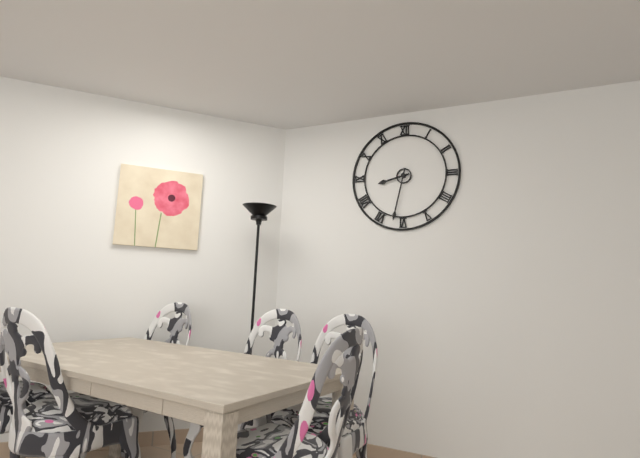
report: 8,32
